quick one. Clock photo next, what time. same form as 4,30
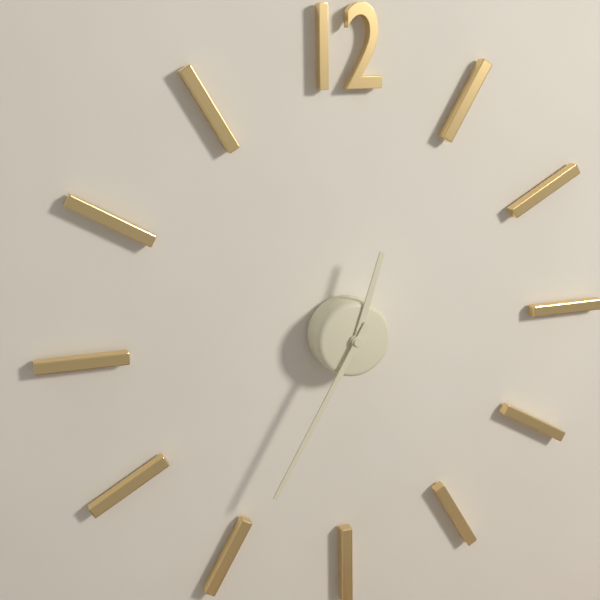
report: 12,35
